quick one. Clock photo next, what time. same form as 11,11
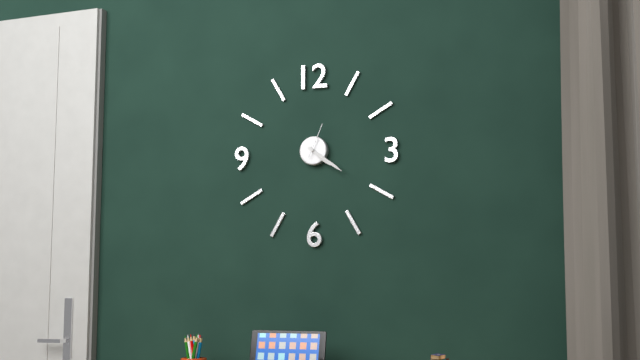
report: 4,21
